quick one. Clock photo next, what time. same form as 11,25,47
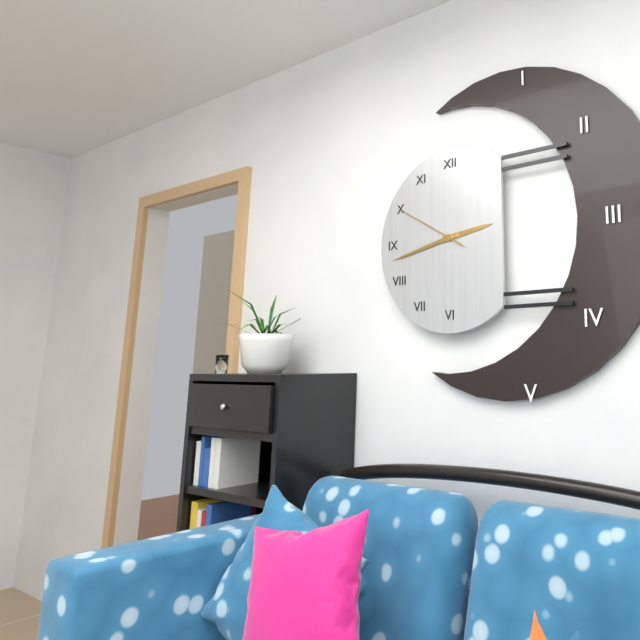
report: 2,43,50
